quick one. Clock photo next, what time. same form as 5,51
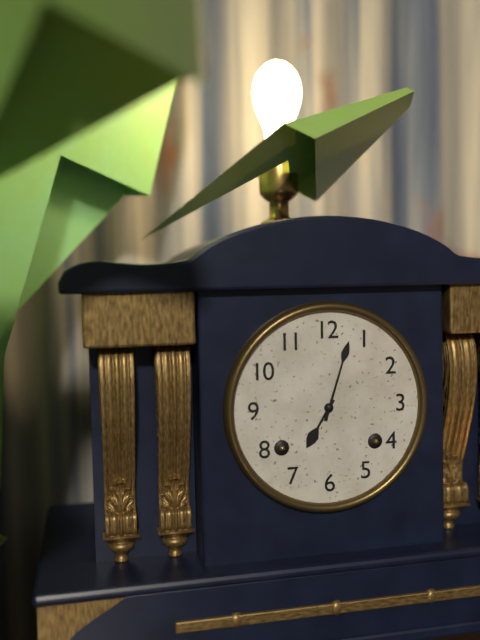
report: 7,03
